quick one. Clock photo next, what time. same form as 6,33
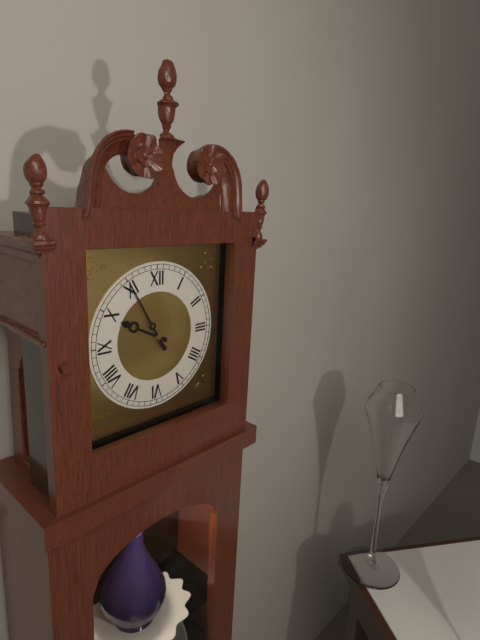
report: 9,55
